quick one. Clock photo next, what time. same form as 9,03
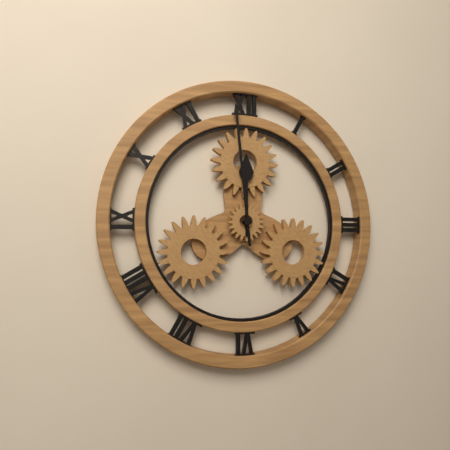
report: 11,59
